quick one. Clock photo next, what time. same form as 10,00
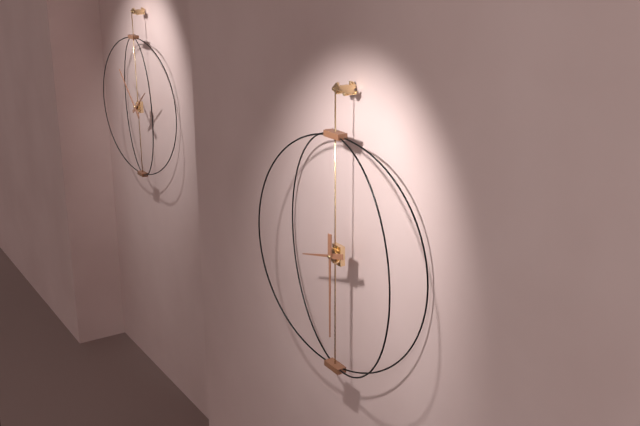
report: 8,30
